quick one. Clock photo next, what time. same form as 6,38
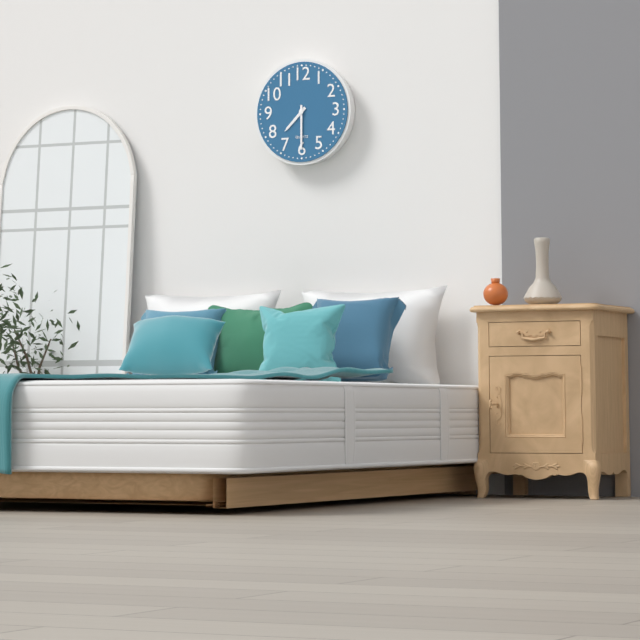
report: 7,30
